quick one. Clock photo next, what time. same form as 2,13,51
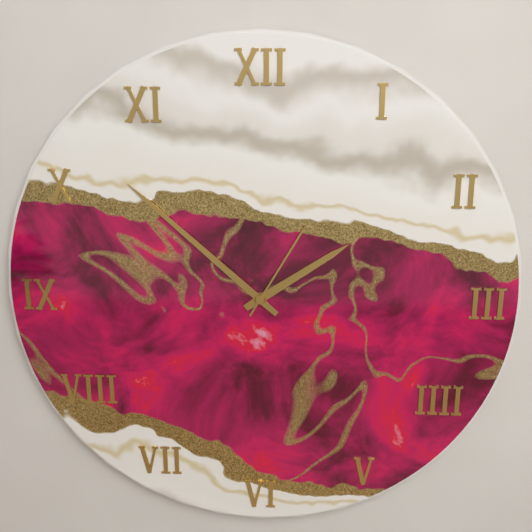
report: 1,52,05
